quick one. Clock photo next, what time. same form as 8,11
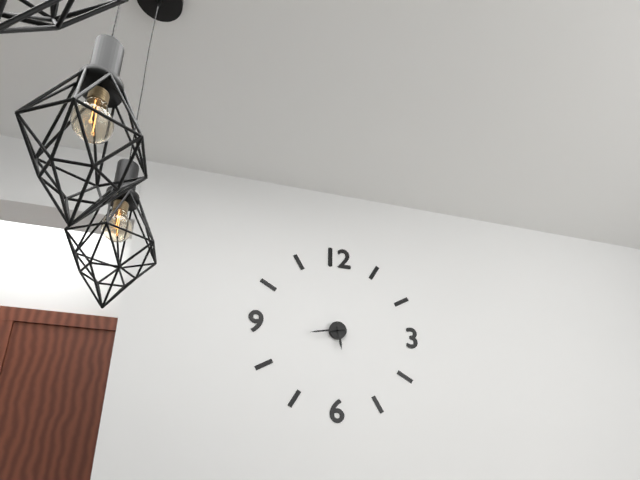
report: 5,43
